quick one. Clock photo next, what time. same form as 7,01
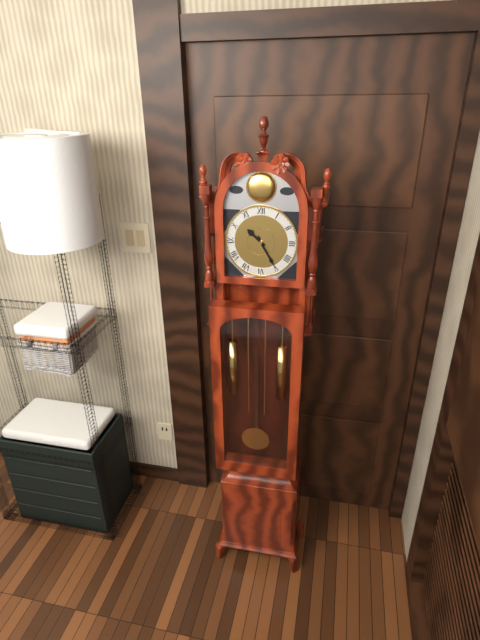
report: 10,25
